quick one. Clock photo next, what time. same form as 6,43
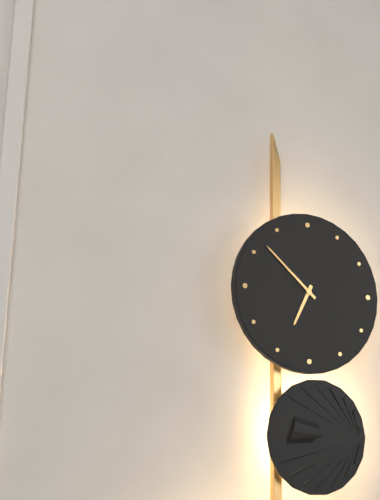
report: 6,52
